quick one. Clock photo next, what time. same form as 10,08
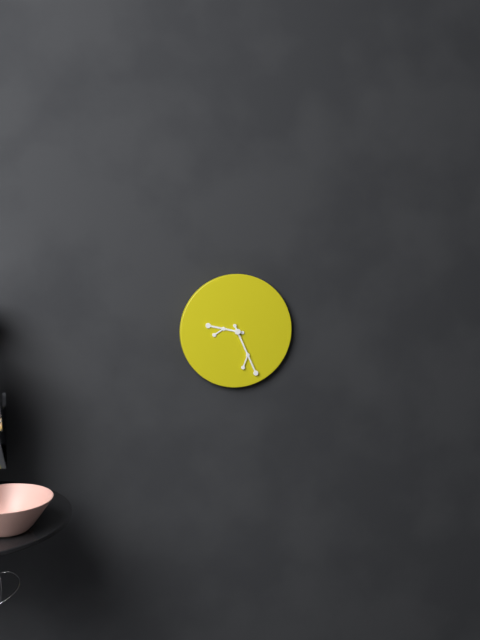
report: 9,26
